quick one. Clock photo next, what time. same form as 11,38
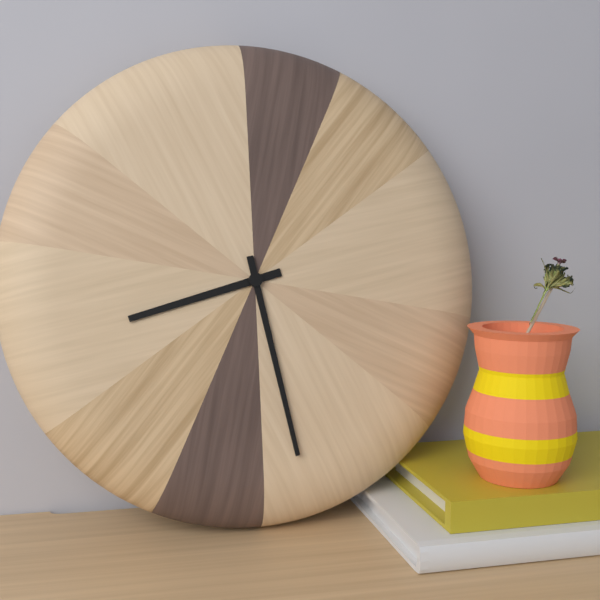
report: 8,28
